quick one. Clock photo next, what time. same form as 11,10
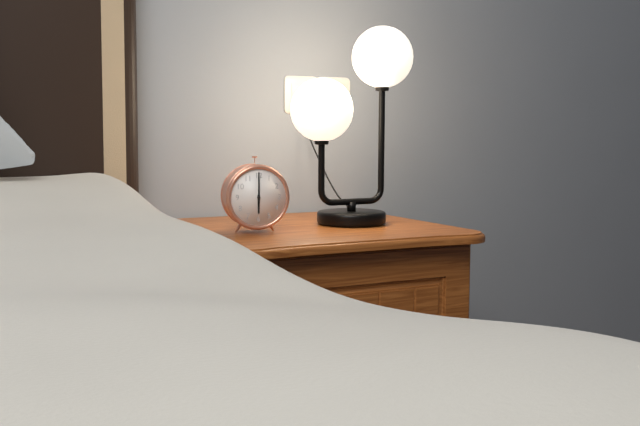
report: 6,00
